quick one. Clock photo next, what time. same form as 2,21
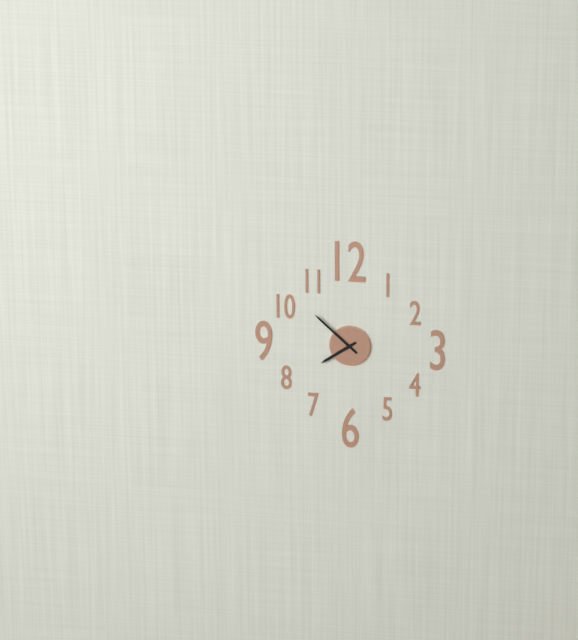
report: 7,52
